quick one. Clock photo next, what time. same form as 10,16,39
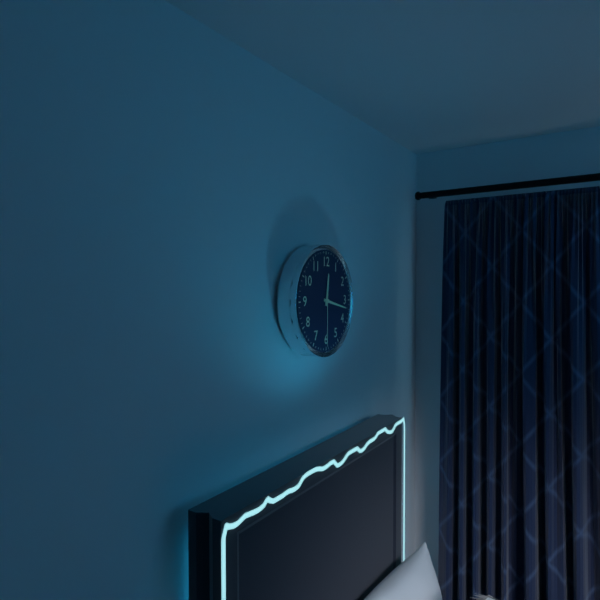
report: 12,17,30
